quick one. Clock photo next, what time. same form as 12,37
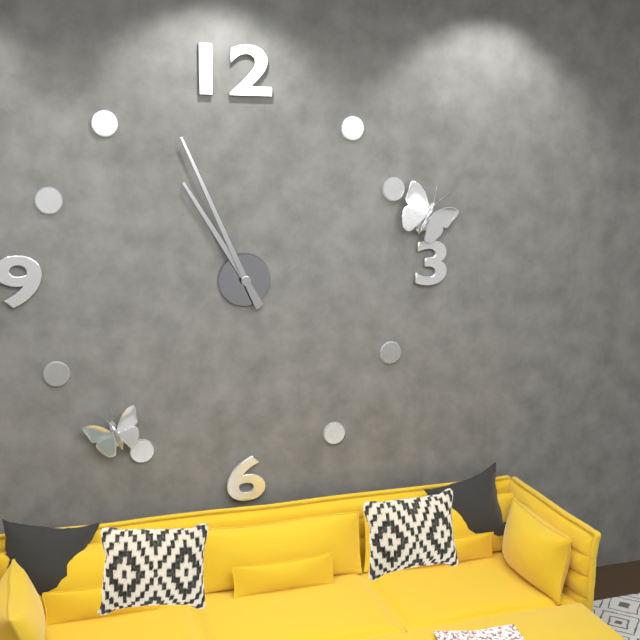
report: 10,56
